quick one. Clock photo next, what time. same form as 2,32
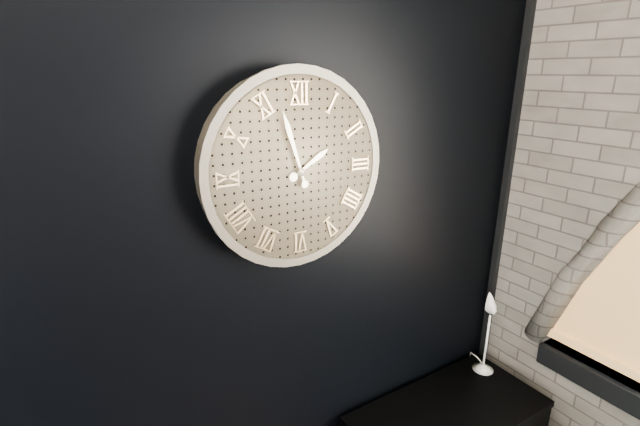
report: 1,57
